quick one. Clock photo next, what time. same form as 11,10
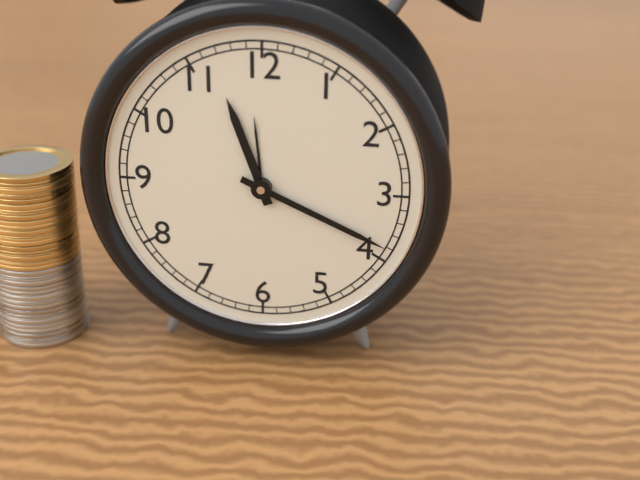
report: 11,19
